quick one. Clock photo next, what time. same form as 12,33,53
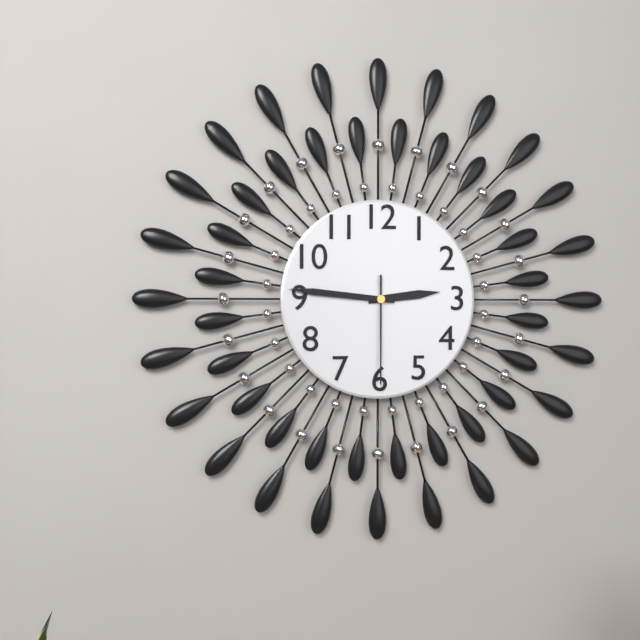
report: 2,46,30
